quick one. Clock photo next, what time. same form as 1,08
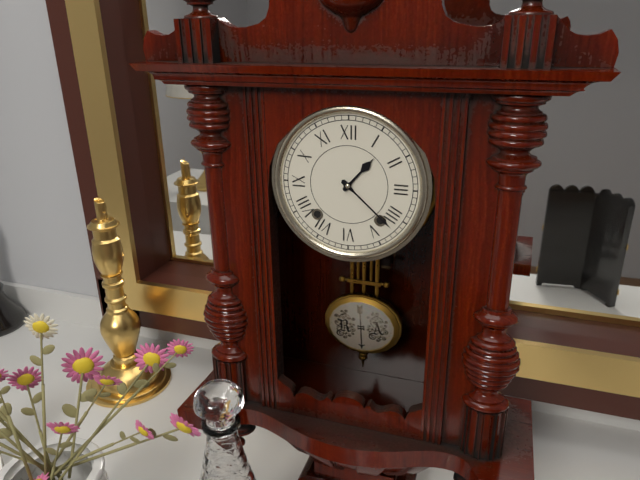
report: 1,22
